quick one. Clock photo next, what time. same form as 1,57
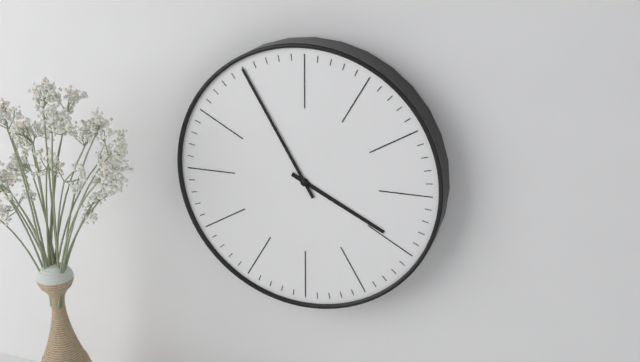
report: 3,55
